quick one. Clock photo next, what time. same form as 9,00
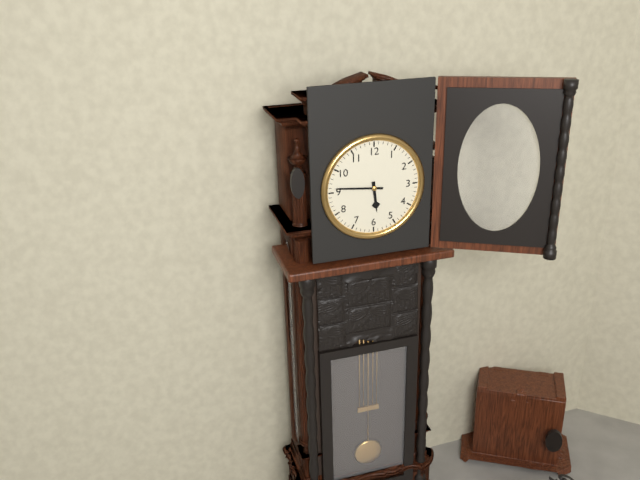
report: 5,46
